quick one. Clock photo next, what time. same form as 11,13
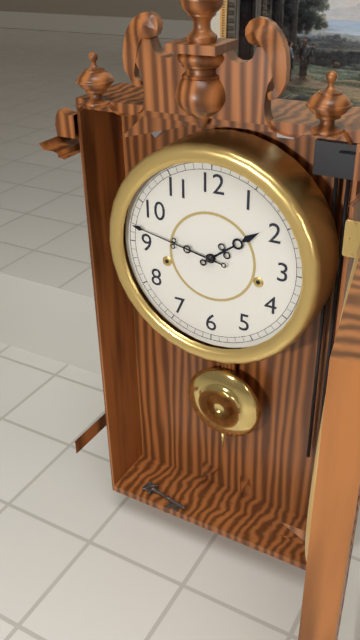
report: 1,47
